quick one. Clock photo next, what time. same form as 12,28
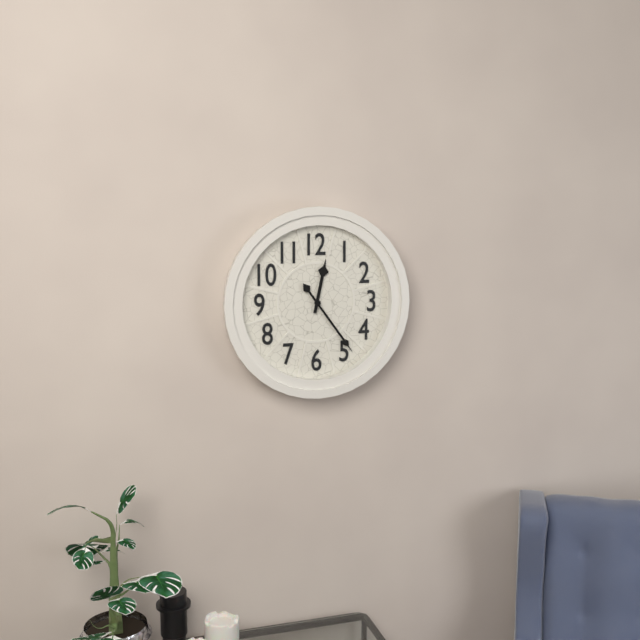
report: 12,24
